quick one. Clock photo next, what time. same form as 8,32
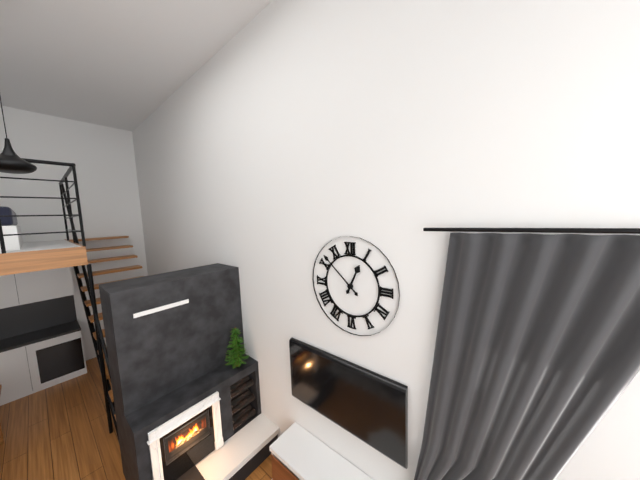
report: 12,52
